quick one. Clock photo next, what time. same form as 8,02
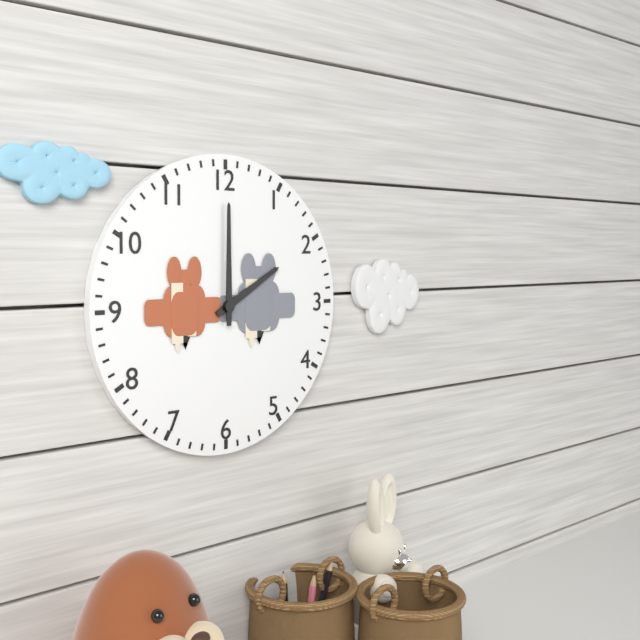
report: 2,00
